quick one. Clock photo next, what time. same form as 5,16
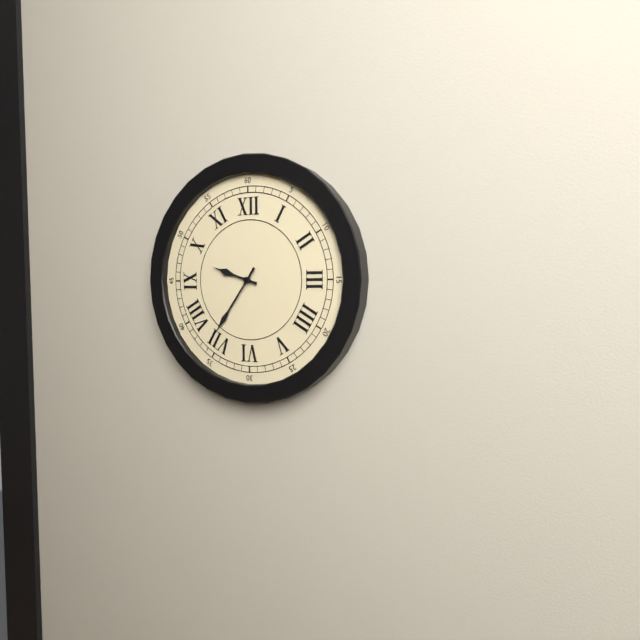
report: 9,36
